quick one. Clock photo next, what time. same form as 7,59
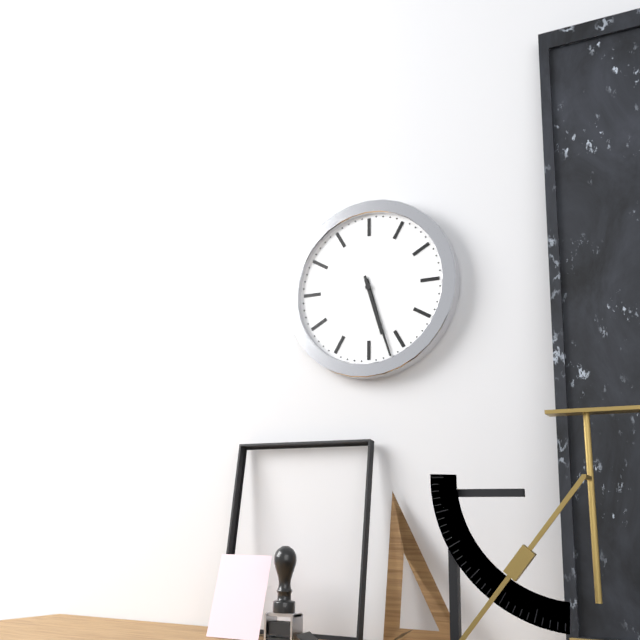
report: 5,27
